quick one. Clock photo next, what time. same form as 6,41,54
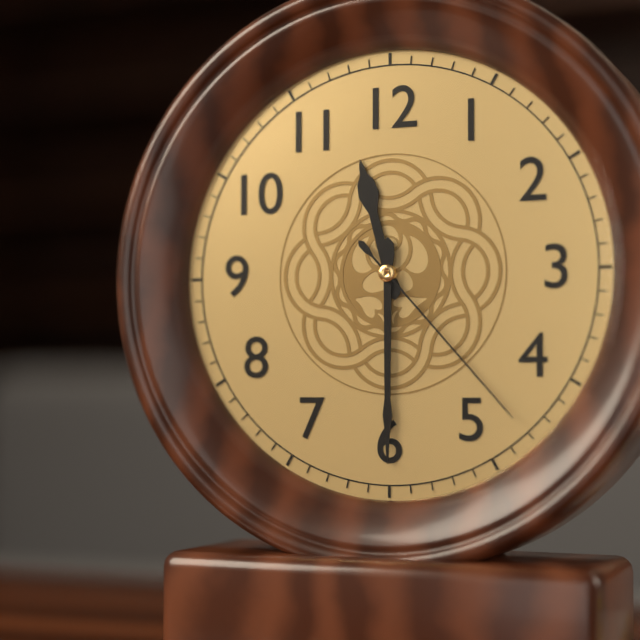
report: 11,30,23
